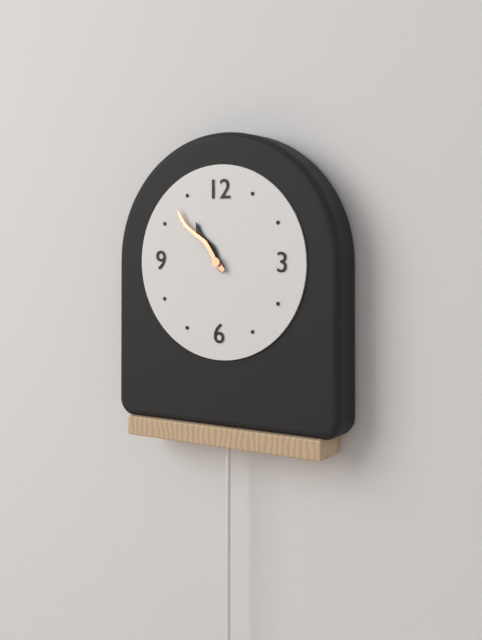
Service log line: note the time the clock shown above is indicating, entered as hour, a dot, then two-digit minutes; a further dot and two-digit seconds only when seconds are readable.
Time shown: 10.53
